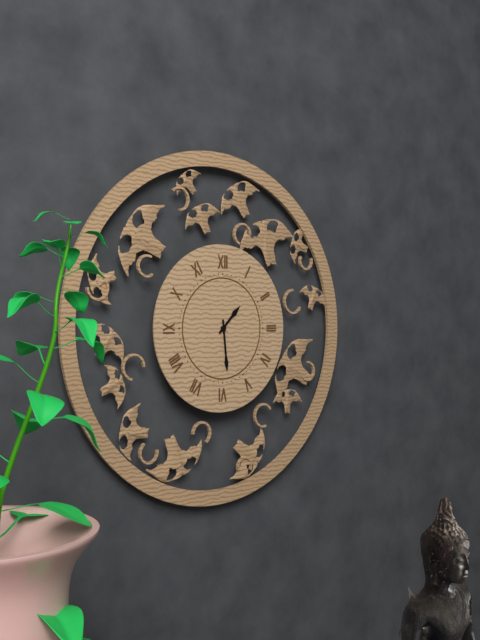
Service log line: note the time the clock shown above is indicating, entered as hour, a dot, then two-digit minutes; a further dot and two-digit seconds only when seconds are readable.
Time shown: 1.29
